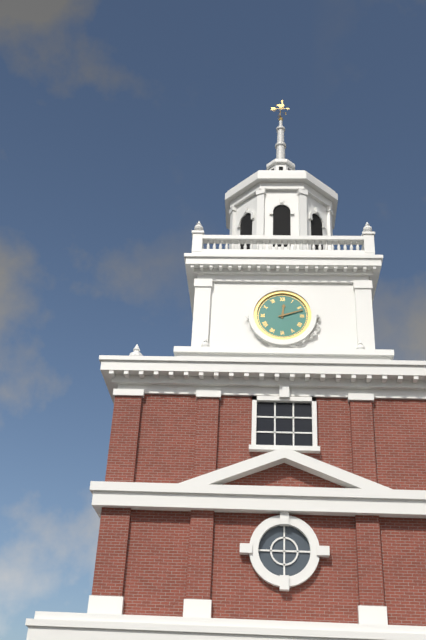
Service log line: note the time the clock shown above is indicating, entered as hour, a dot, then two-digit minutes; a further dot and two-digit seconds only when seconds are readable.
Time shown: 12.12
